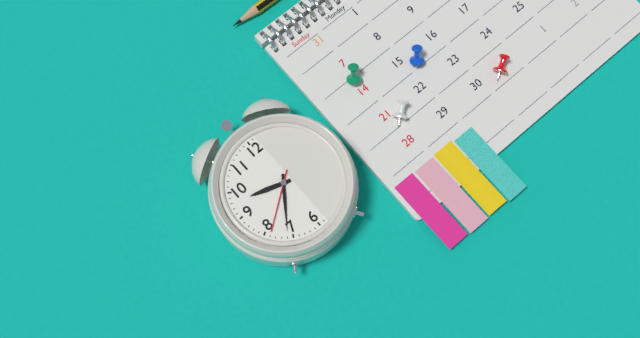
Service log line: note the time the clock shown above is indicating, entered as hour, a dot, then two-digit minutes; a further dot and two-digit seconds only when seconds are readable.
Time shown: 9.36.39
